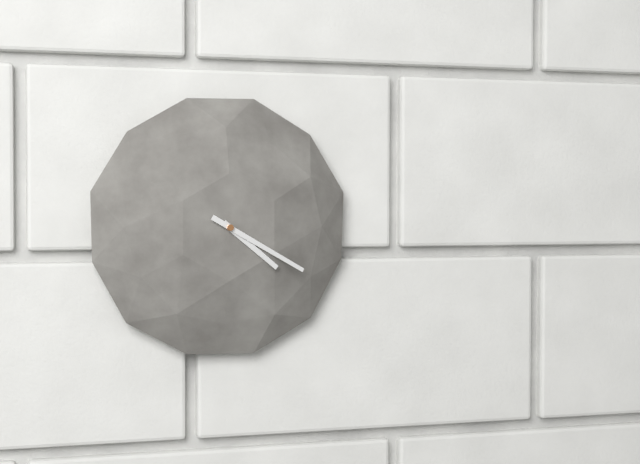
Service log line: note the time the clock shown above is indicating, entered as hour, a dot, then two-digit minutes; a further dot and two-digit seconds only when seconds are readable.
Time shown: 4.20
